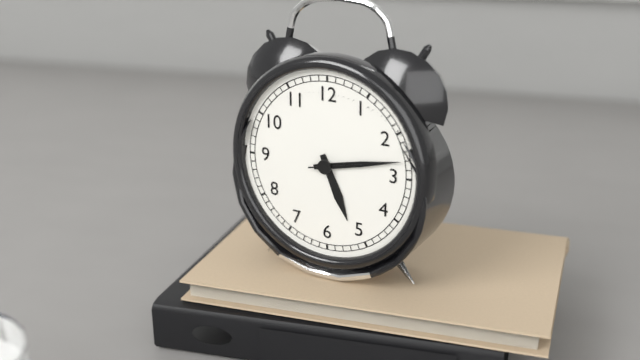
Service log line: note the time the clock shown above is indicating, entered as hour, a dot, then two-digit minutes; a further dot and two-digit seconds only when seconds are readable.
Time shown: 5.13.13
